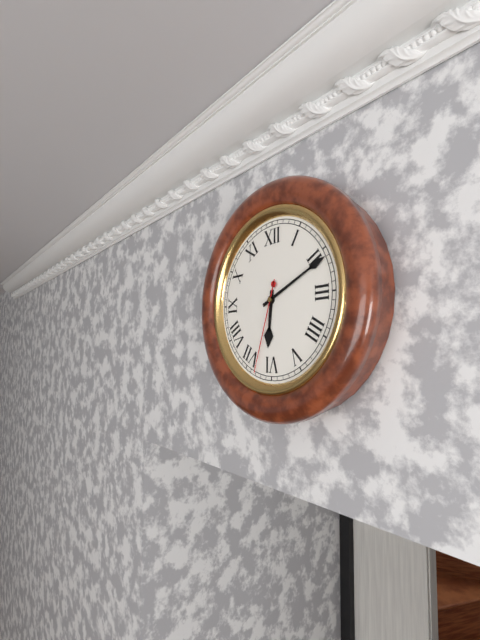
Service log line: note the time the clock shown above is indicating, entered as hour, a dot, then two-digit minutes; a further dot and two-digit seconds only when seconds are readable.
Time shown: 6.11.33
